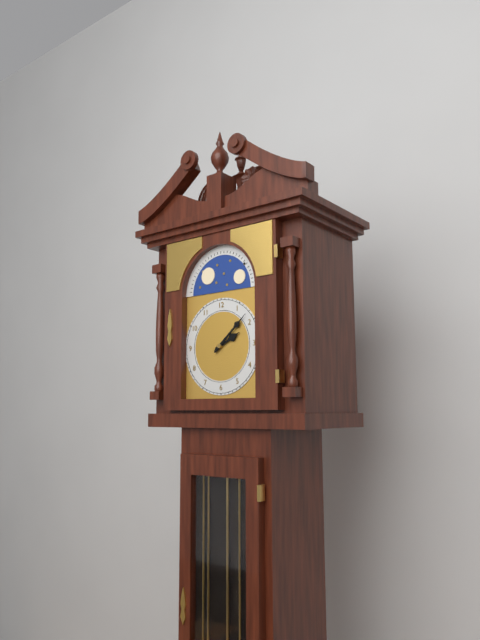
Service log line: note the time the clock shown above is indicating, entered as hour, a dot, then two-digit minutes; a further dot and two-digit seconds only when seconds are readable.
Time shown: 2.08
